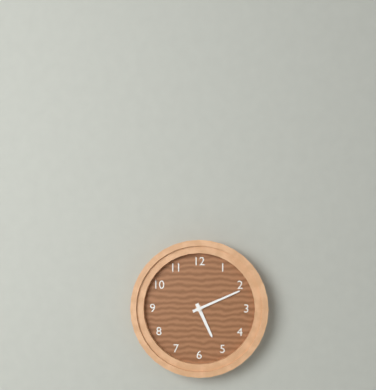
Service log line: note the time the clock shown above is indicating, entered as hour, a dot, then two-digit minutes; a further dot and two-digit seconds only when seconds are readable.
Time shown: 5.11
